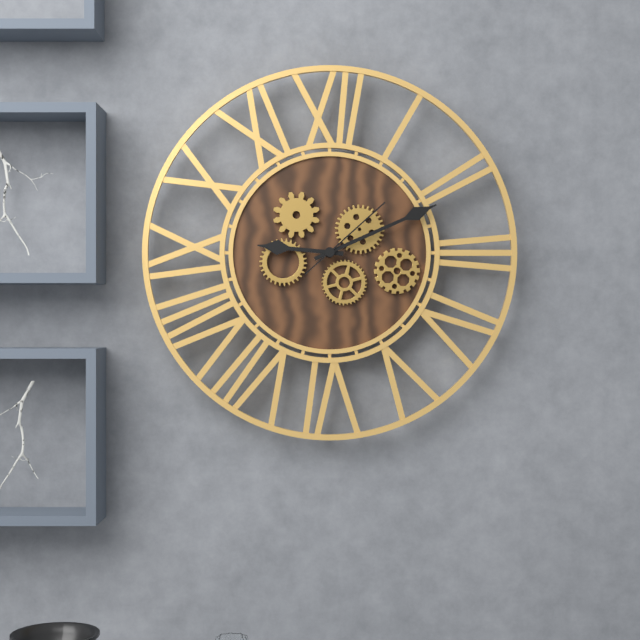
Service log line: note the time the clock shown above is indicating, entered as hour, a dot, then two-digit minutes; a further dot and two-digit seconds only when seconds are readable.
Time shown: 9.11.08
